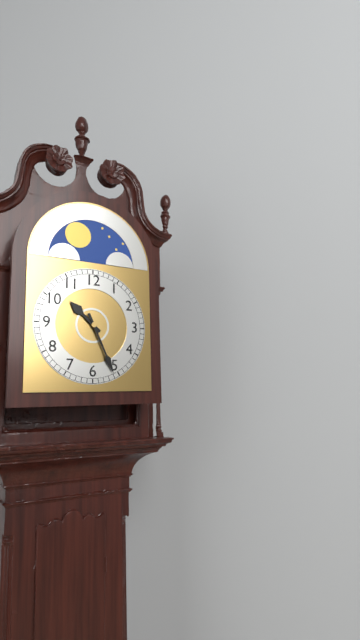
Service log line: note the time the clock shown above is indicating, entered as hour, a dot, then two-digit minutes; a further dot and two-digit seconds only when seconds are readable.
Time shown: 10.26
